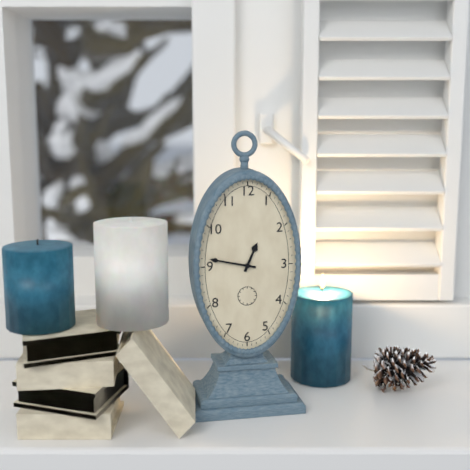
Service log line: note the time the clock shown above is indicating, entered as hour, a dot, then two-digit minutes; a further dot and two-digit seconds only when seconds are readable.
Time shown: 12.47
